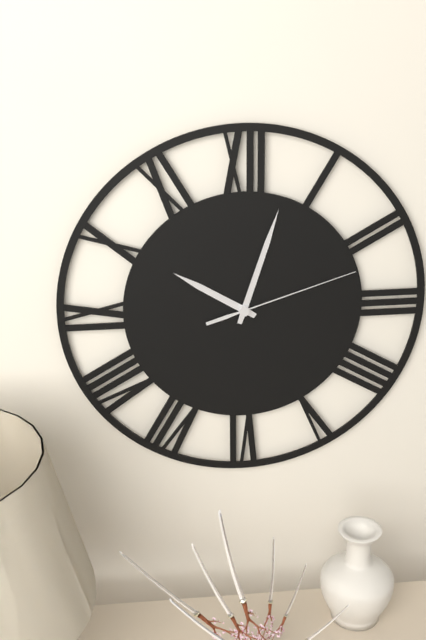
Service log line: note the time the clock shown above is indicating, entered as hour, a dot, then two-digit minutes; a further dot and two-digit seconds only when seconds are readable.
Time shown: 10.03.12
